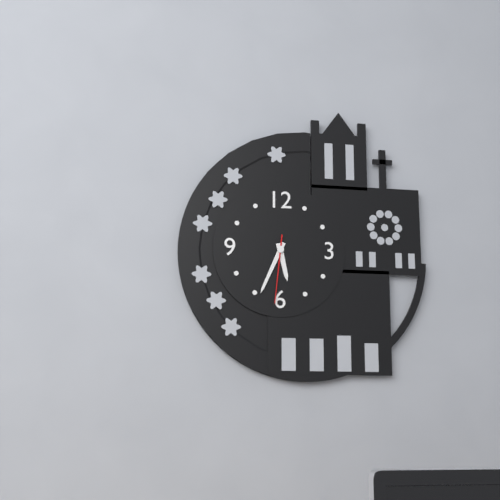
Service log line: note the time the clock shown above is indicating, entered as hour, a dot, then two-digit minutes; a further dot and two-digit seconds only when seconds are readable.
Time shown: 5.34.31
